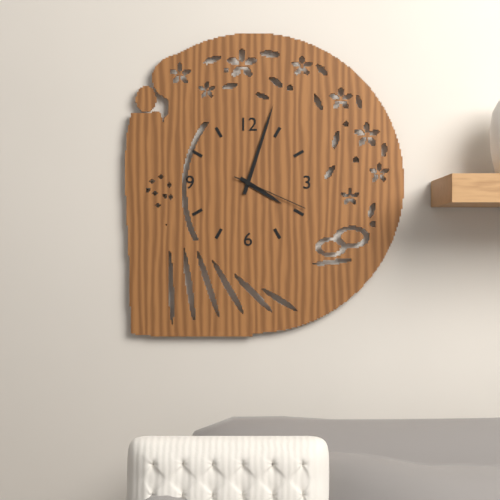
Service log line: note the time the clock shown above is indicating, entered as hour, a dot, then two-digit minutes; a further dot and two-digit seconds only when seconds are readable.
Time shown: 4.03.19
